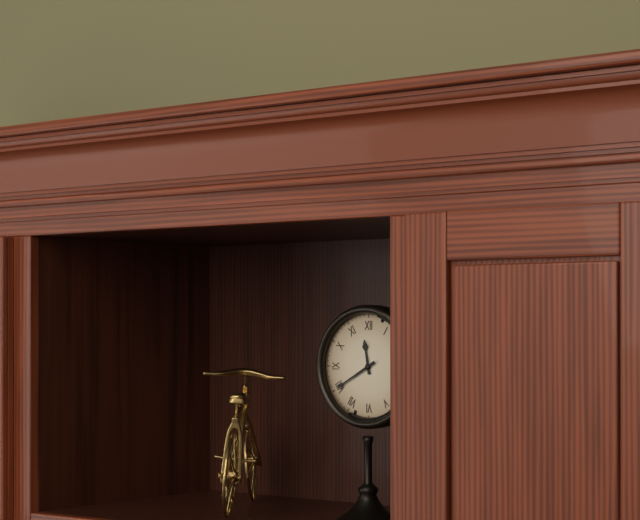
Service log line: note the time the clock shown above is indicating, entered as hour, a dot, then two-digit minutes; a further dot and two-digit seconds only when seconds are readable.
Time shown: 11.40
